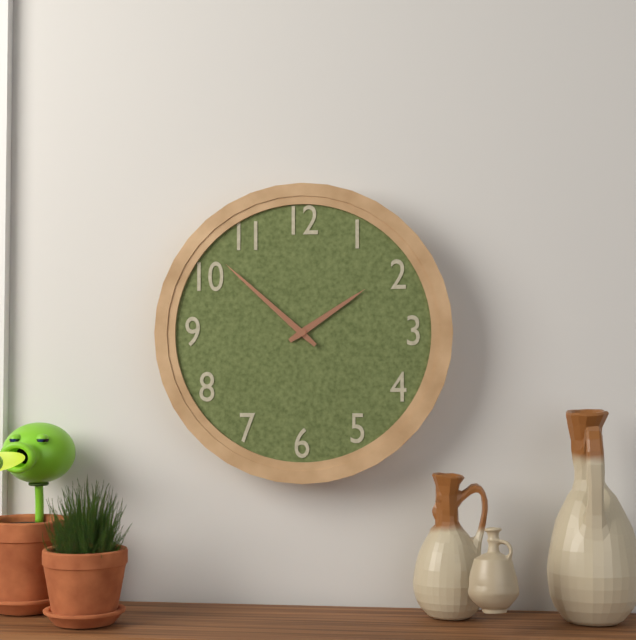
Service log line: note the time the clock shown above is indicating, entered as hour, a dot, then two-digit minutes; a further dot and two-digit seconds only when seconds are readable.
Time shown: 1.52
